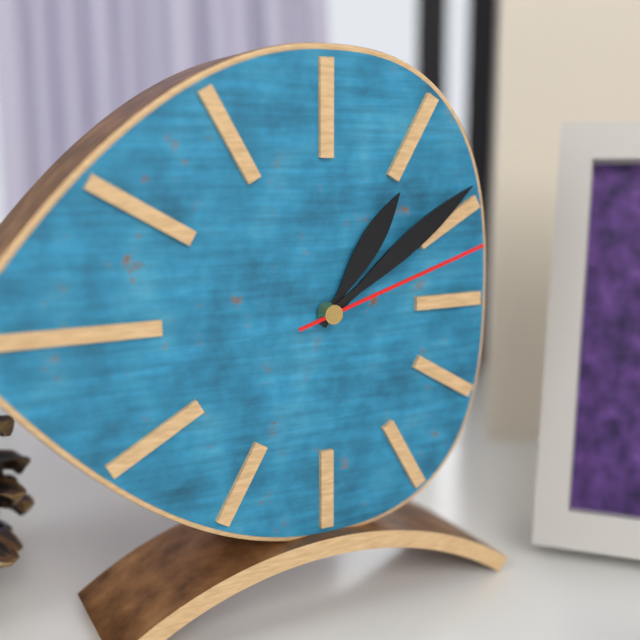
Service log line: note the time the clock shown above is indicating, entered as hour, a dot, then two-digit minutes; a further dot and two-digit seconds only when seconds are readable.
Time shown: 1.09.12
